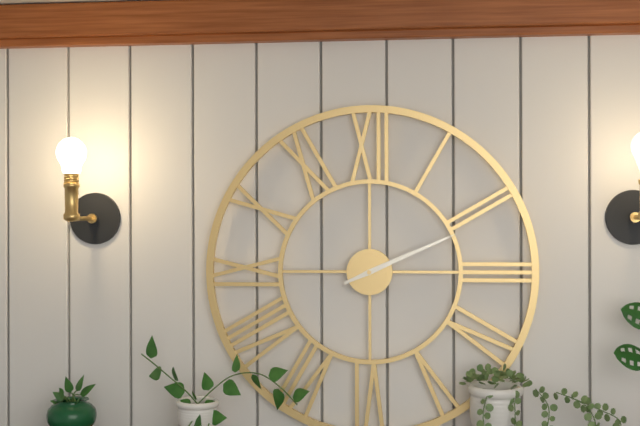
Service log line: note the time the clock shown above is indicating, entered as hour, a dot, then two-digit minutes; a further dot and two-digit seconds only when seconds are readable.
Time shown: 2.11
